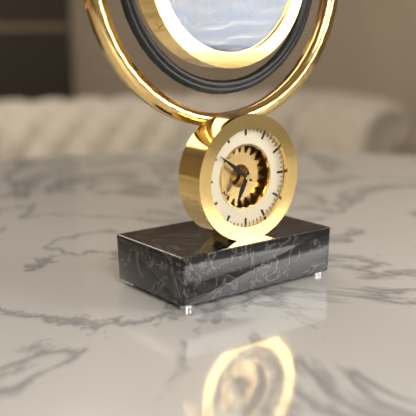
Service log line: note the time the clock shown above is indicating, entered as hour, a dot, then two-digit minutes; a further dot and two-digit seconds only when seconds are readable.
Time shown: 6.51
